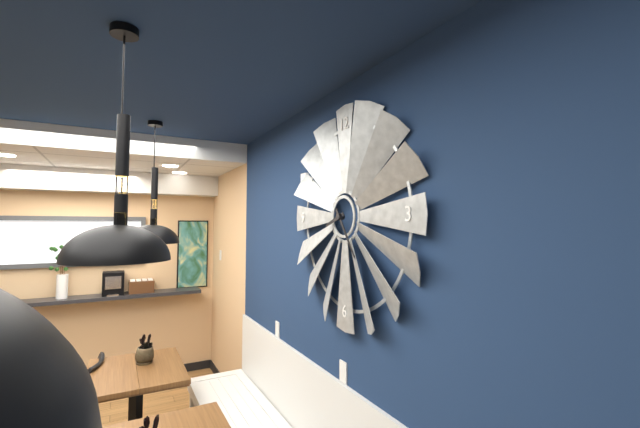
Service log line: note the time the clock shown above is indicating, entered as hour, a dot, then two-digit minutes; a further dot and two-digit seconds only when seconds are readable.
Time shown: 8.24
